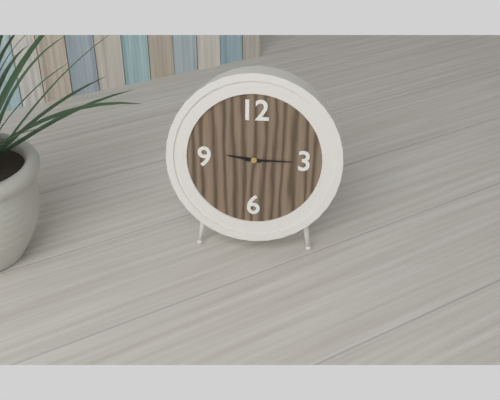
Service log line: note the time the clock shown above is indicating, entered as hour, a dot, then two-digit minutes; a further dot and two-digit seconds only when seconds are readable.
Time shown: 9.15
